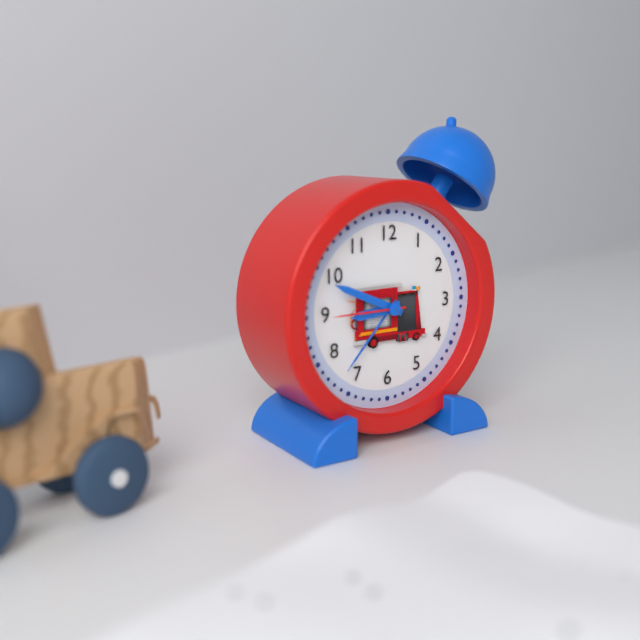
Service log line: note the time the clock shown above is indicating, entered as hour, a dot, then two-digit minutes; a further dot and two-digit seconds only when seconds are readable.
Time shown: 8.49.45
